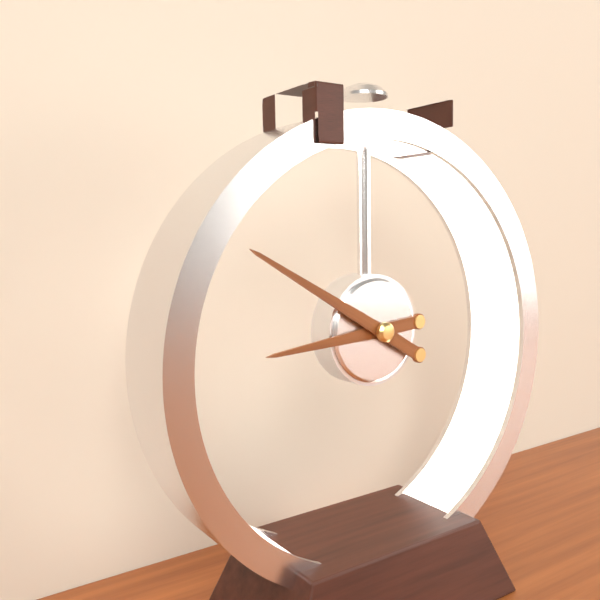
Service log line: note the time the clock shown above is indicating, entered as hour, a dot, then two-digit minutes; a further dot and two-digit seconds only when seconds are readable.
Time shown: 8.50
